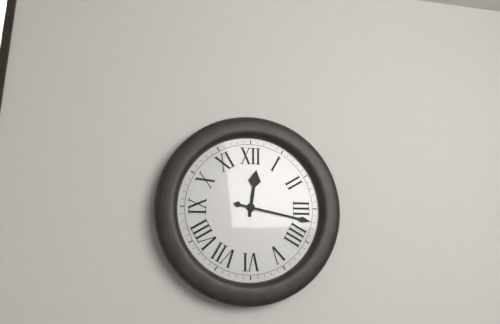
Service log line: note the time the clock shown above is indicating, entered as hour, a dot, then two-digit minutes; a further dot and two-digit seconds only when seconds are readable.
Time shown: 12.17
